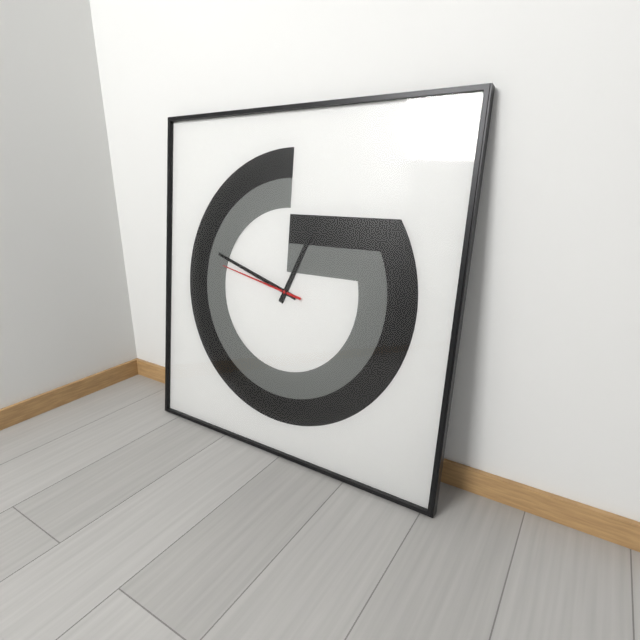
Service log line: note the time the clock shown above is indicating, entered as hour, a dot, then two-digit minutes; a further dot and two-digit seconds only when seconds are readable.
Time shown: 12.48.47
